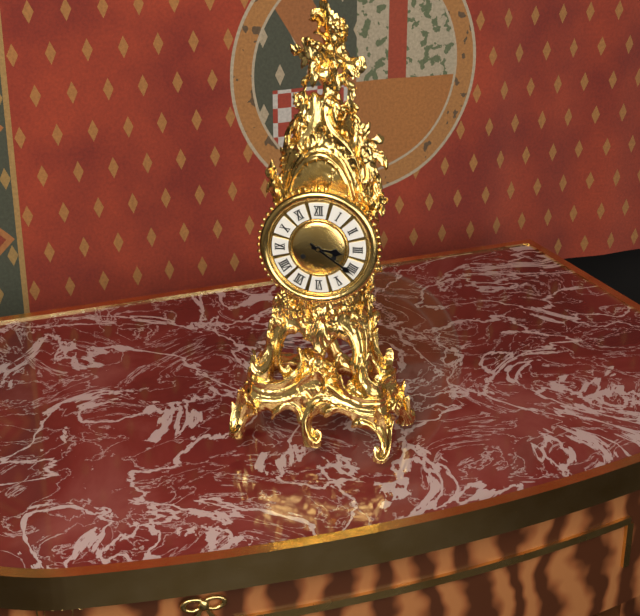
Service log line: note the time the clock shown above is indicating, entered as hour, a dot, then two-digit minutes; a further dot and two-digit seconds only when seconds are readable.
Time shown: 3.21
